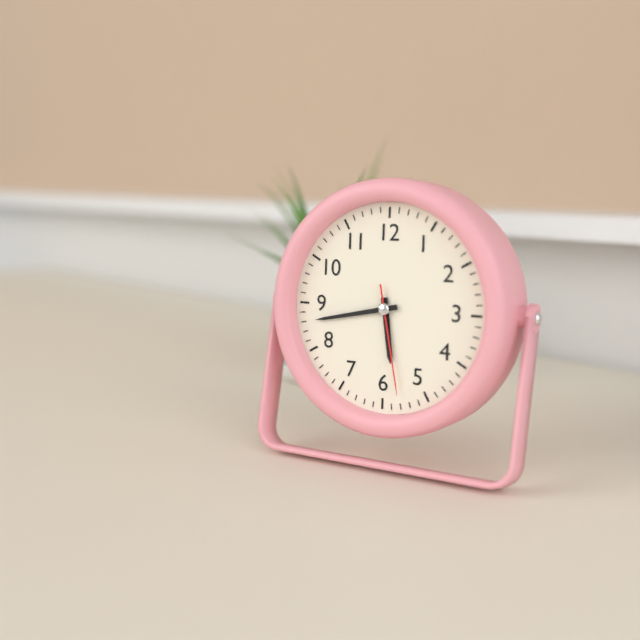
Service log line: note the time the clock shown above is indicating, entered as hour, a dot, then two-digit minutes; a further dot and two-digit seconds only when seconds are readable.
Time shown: 5.43.28
